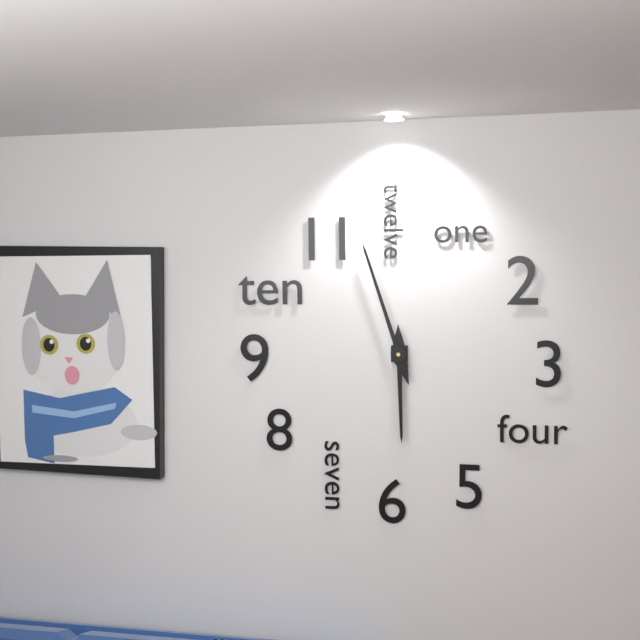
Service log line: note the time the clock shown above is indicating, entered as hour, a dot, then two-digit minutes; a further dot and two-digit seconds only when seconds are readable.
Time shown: 5.57
